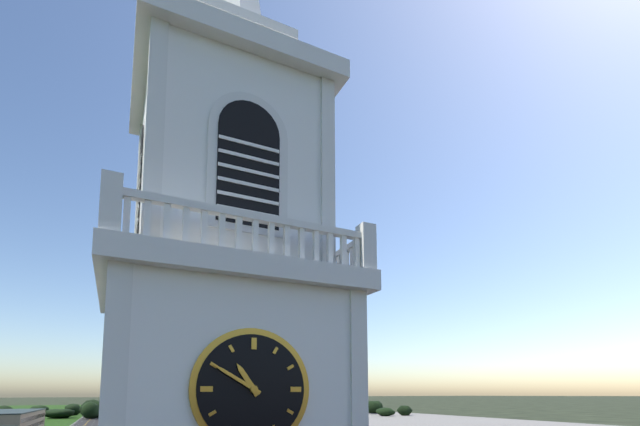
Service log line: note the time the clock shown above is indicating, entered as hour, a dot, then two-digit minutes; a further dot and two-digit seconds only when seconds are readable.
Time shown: 10.50
